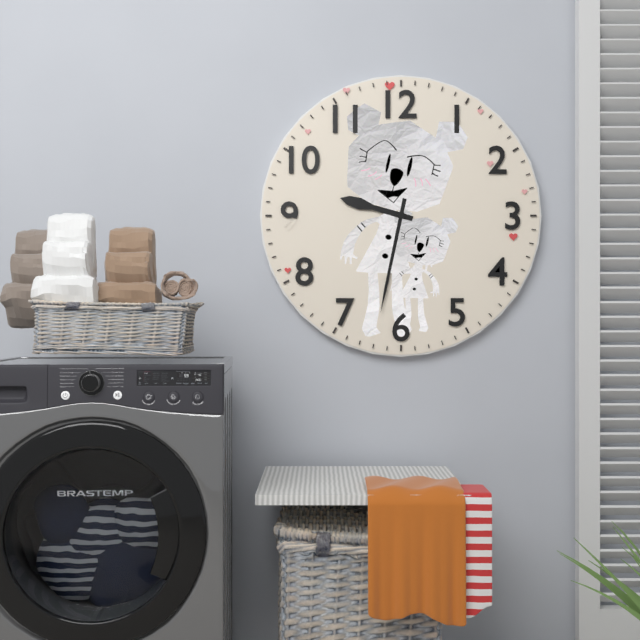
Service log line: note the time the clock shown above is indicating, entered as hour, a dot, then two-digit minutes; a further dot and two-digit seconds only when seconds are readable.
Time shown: 9.32
